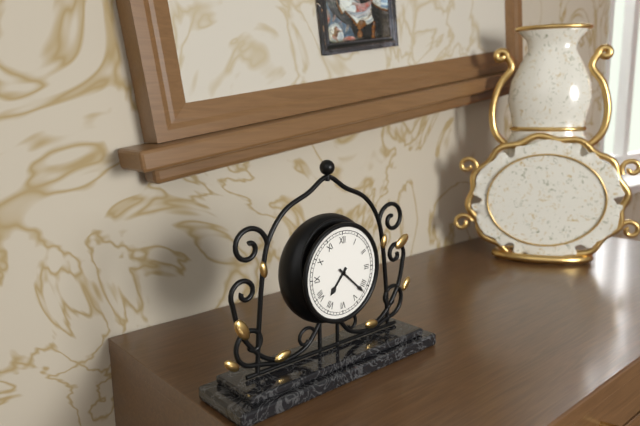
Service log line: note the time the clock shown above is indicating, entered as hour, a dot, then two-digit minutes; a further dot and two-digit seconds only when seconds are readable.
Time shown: 7.22
